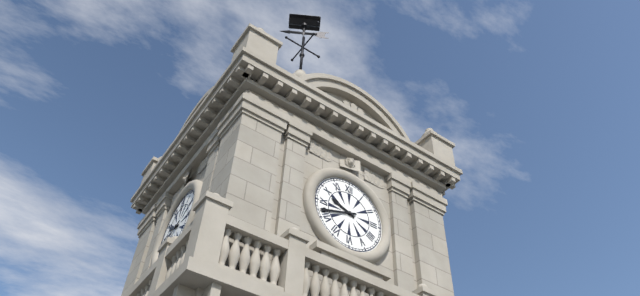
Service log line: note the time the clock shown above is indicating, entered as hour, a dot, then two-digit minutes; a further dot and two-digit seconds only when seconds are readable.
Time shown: 9.42
